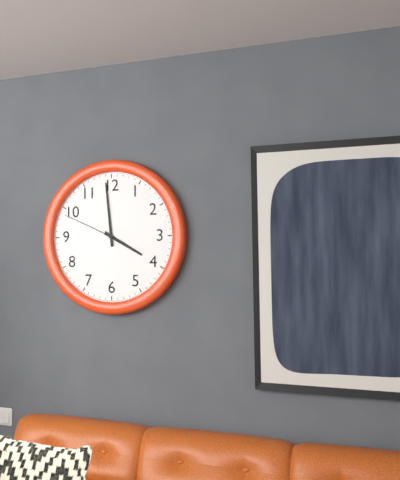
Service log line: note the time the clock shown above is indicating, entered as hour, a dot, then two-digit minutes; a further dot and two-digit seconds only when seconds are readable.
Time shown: 3.59.49
